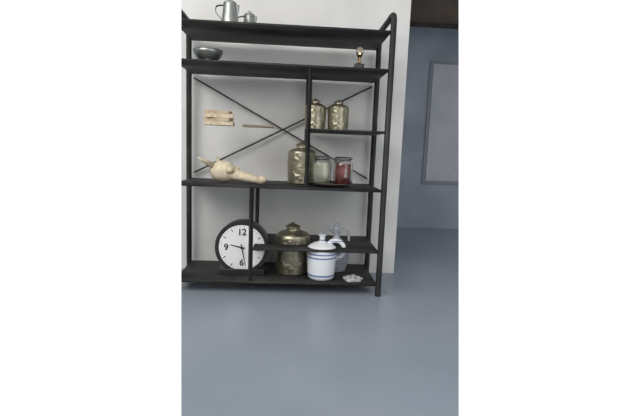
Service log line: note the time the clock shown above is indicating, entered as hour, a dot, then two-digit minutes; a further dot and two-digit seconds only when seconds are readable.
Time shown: 9.28
